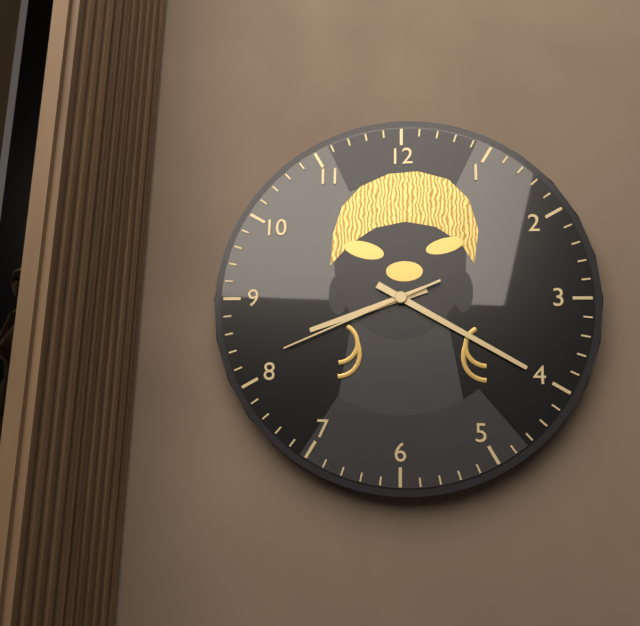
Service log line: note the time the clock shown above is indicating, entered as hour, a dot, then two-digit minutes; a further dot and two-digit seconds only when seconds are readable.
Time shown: 8.20.41
